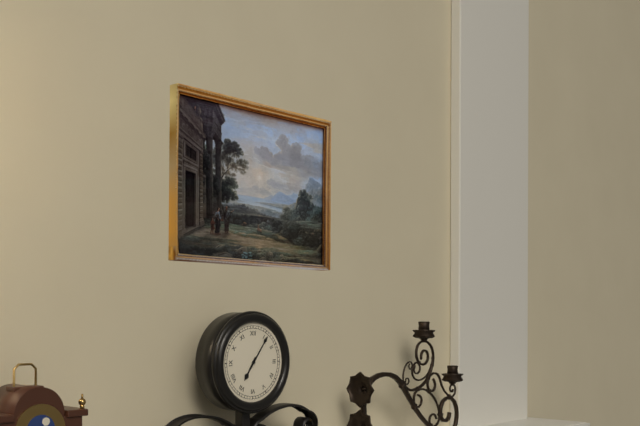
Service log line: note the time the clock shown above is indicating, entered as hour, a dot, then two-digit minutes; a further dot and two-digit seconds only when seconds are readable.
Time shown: 7.06
